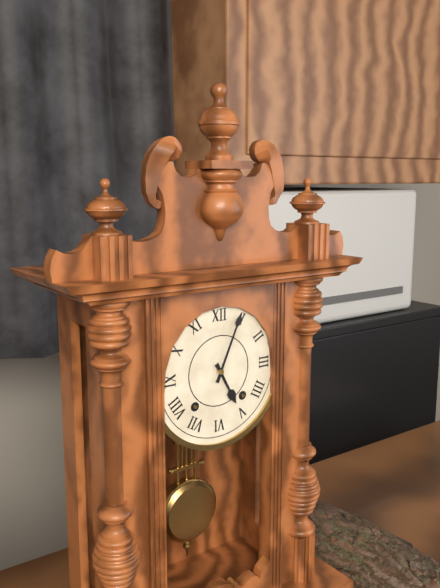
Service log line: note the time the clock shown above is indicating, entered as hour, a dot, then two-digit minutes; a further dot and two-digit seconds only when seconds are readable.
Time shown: 5.04
